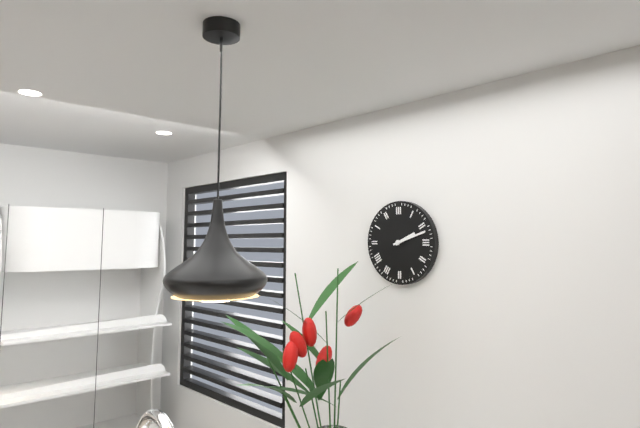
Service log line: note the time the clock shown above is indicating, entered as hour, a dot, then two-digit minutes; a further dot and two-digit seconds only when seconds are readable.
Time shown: 2.12
